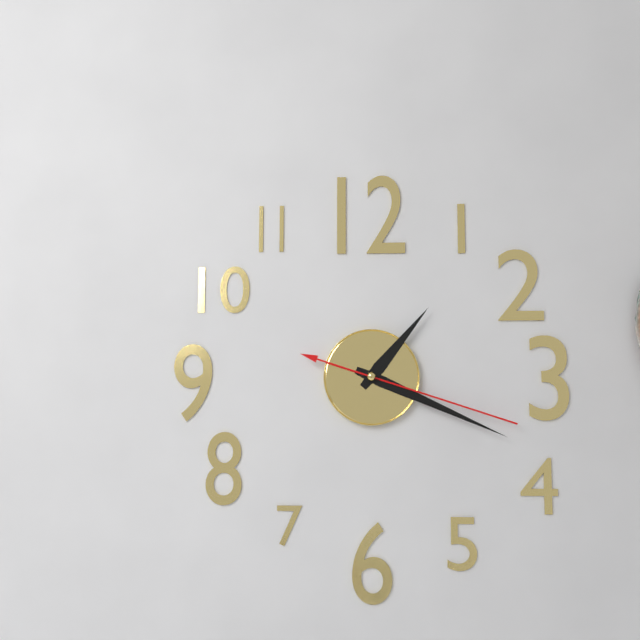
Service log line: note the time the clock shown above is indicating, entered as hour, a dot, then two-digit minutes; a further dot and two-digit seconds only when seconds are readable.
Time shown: 1.19.18
